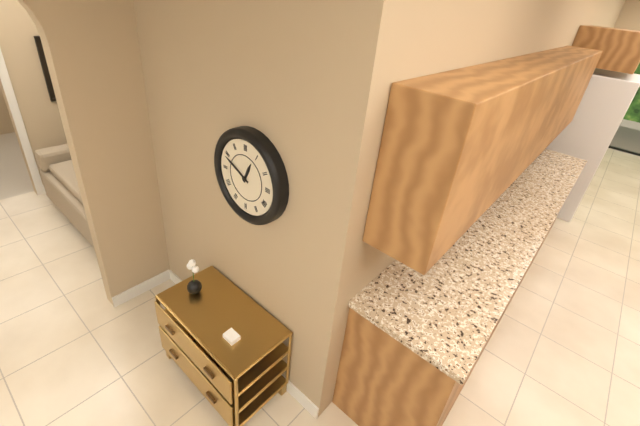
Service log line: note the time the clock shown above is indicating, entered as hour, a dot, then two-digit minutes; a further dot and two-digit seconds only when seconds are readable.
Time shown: 12.49
